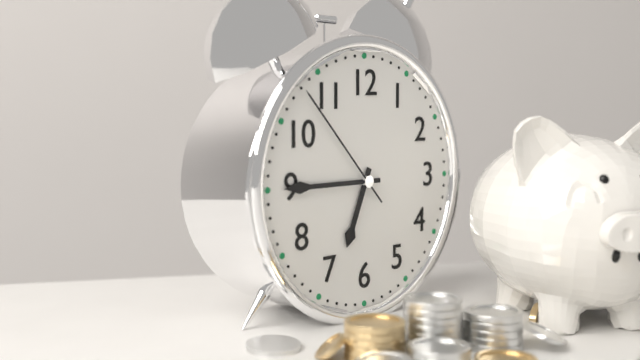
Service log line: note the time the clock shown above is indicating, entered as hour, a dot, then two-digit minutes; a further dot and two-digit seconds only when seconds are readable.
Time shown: 6.45.53
